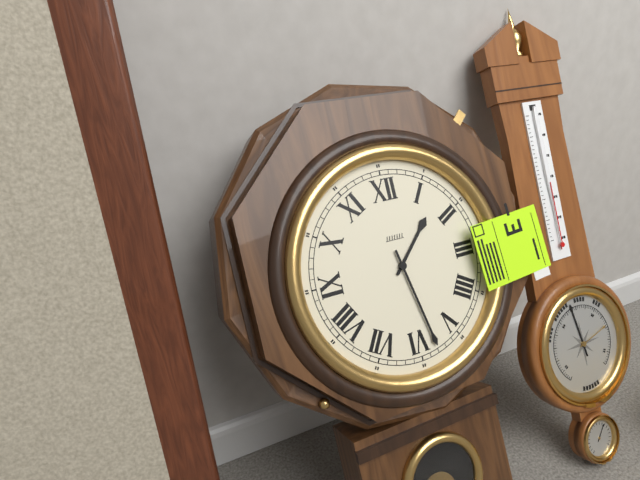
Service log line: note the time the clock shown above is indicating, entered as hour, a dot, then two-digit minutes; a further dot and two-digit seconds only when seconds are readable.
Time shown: 1.28
